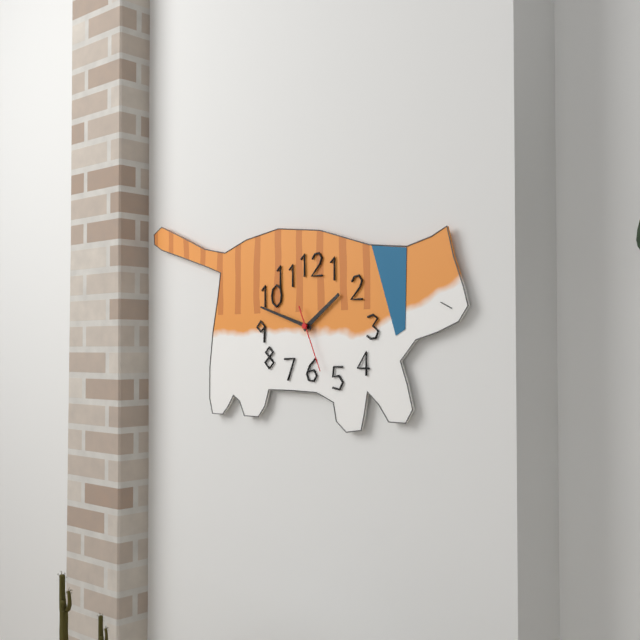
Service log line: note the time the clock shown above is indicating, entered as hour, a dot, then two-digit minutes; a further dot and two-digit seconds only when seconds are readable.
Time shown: 1.48.26
